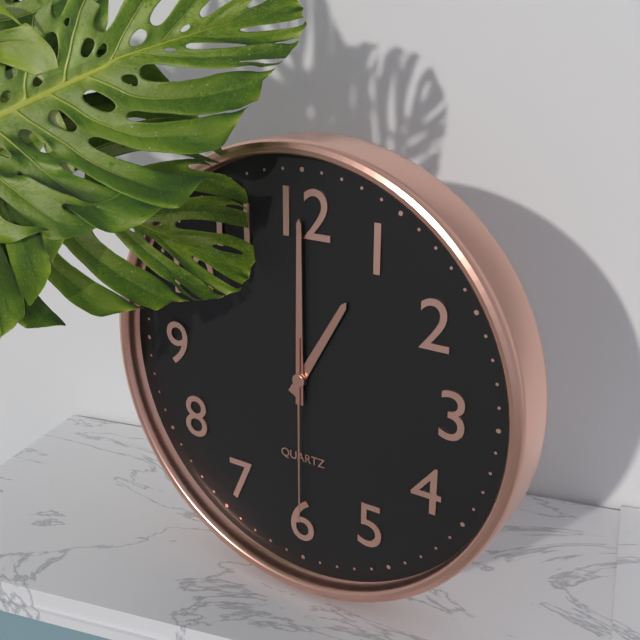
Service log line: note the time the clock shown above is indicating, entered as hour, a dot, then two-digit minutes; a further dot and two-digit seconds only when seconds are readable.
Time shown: 1.00.30
